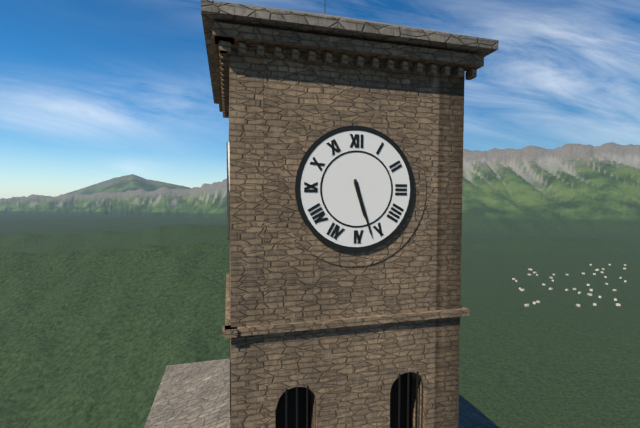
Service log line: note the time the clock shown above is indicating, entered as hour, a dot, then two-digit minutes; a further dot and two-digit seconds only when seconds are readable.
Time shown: 5.27
